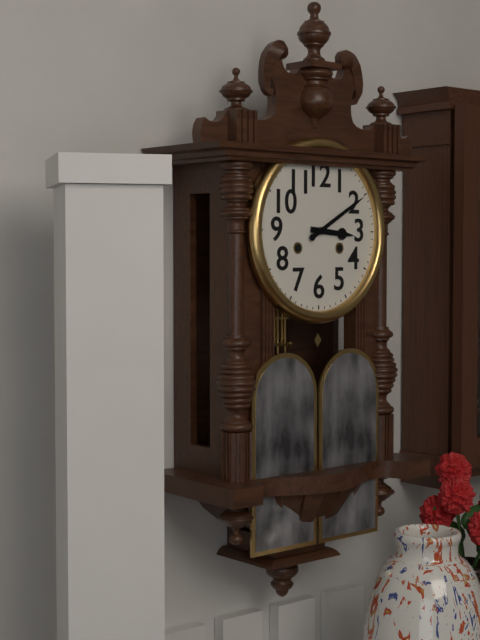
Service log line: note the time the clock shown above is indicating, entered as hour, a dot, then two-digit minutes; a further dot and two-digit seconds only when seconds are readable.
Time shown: 3.10
